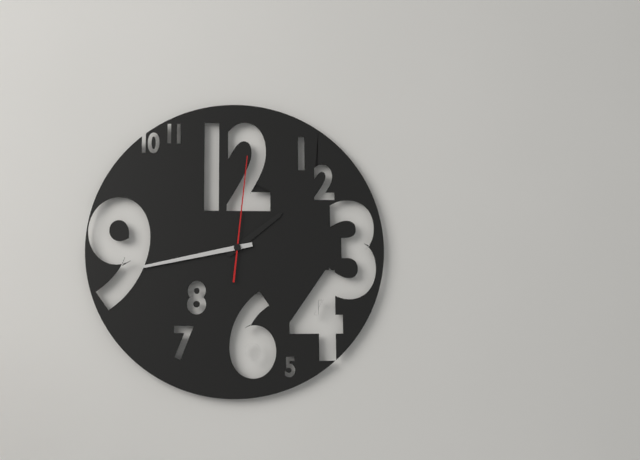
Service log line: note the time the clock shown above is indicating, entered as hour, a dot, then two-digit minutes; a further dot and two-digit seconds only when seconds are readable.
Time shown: 1.43.01
